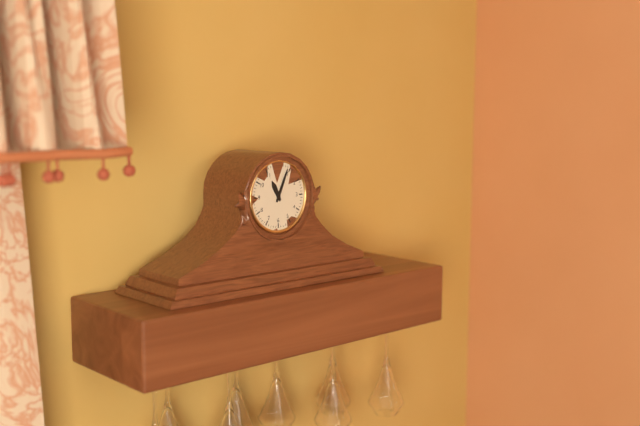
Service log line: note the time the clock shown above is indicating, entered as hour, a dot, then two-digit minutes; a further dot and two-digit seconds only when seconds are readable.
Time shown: 11.04
